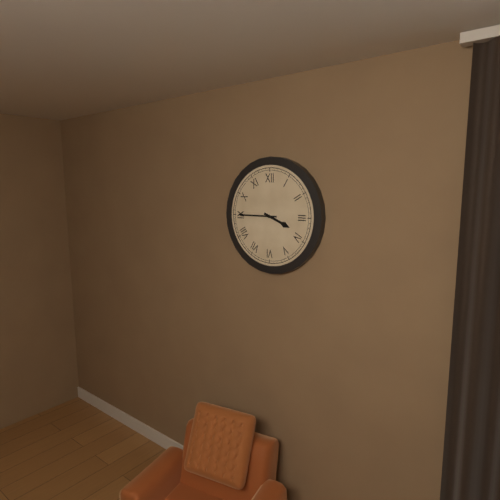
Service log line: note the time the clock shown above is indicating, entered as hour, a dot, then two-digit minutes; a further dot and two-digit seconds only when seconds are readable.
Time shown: 3.45
